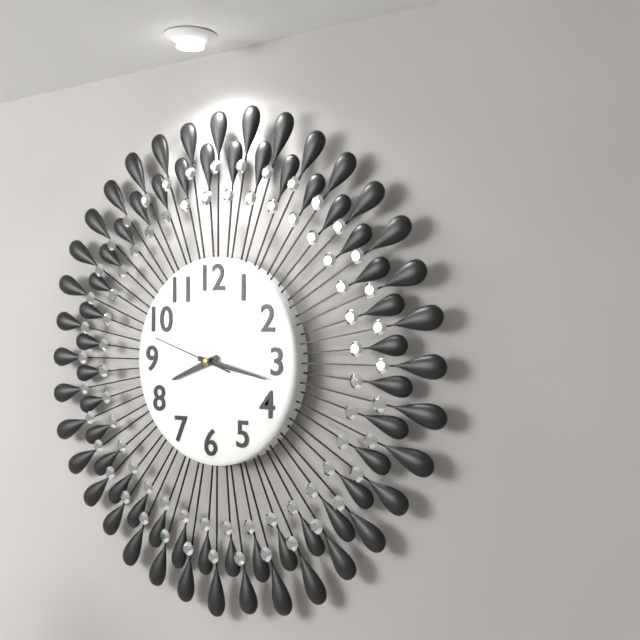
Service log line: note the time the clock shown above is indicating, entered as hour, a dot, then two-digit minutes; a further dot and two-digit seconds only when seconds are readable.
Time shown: 8.17.48
